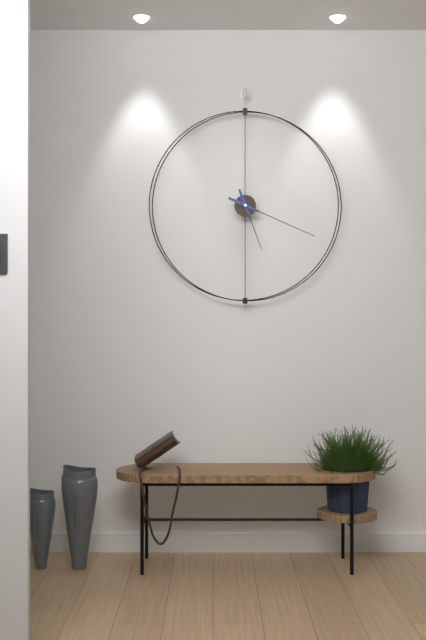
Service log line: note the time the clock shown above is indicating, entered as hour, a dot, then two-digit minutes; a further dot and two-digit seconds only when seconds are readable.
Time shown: 5.19
